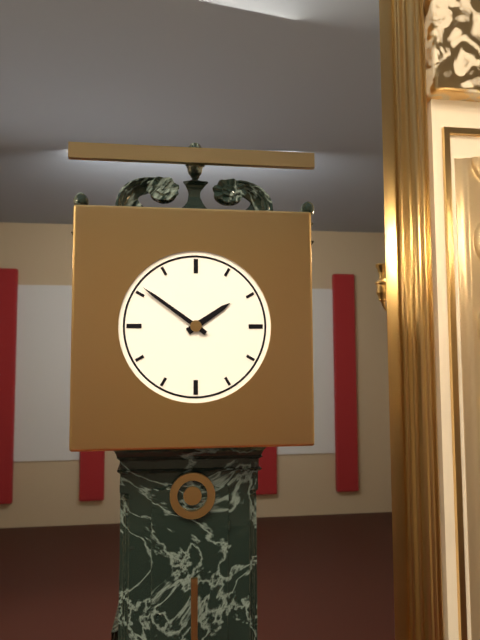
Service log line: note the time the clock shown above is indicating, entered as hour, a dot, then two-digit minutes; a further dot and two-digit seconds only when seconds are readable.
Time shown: 1.51
